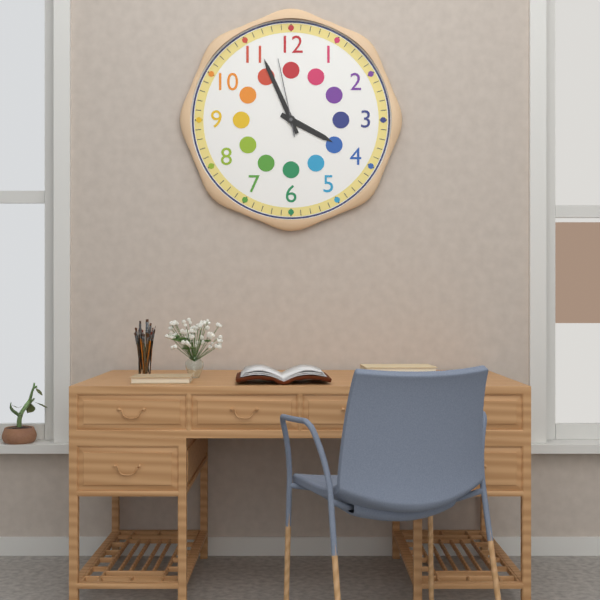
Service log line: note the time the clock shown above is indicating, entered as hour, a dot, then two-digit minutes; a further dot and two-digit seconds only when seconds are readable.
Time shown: 3.56.58
